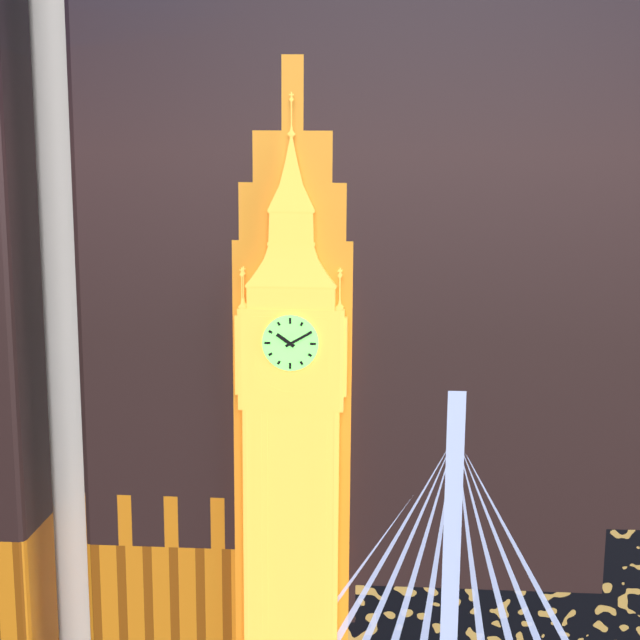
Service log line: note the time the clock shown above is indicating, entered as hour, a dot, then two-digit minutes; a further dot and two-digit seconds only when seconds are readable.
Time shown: 10.10
